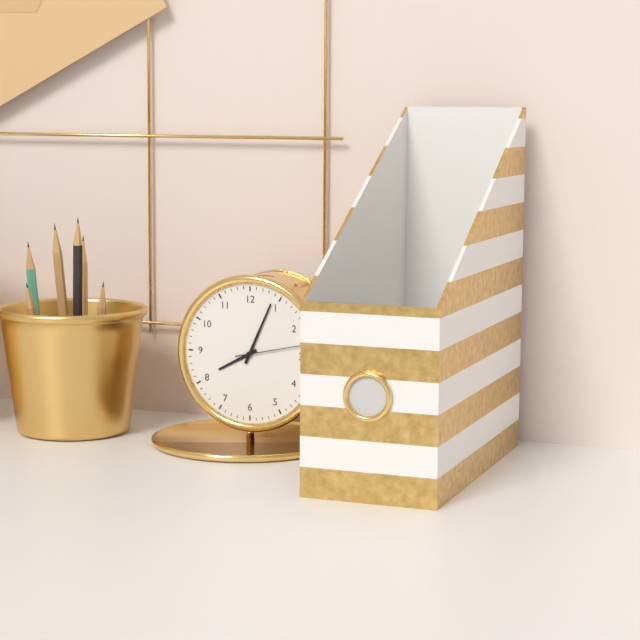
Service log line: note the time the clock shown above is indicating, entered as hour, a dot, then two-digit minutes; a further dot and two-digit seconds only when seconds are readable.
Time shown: 8.04.13
